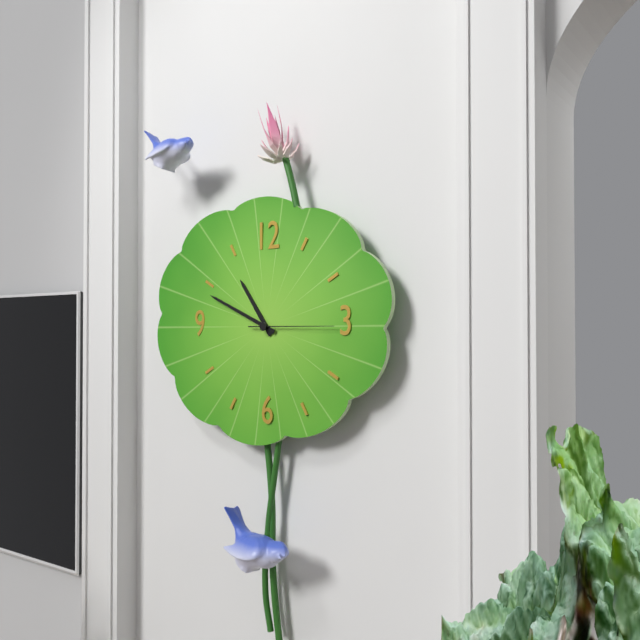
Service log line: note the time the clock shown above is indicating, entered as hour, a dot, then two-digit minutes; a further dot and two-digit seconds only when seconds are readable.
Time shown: 10.49.15
